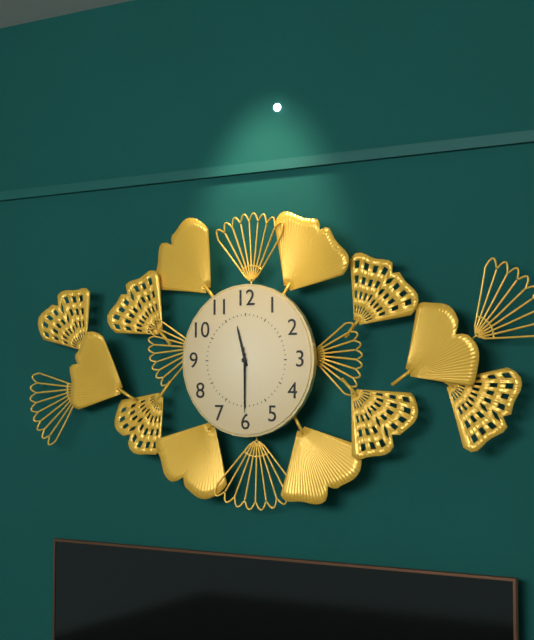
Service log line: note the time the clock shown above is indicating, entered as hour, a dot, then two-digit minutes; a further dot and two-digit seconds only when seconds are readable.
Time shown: 11.30.30
